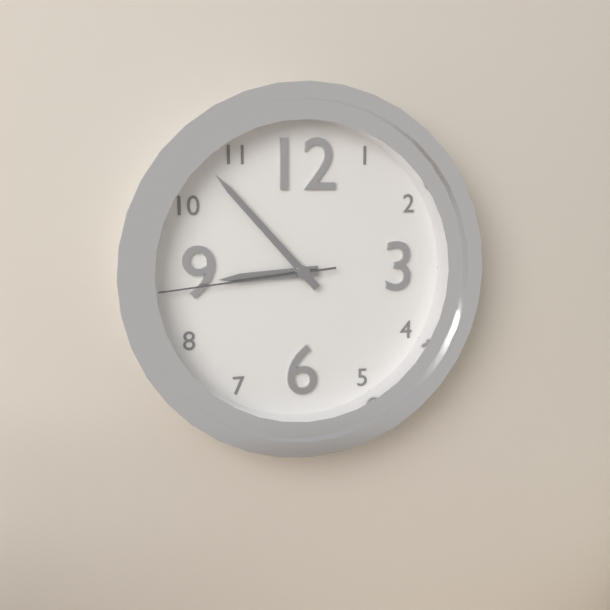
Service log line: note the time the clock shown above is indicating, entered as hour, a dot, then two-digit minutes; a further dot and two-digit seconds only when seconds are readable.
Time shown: 8.53.44
